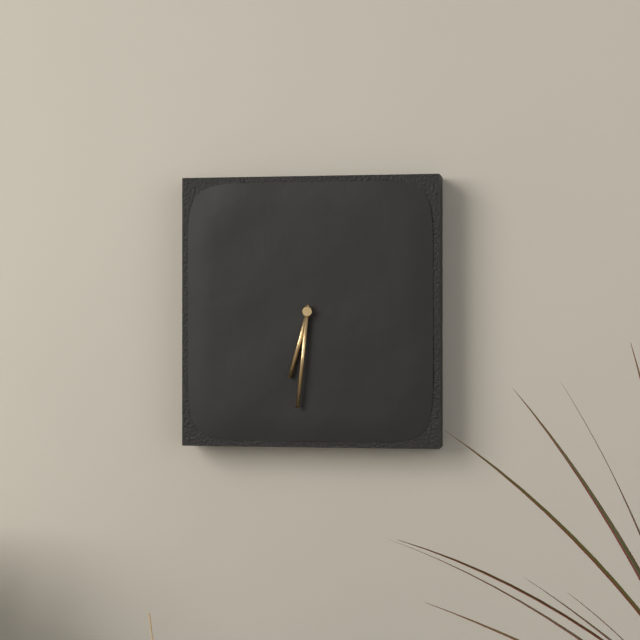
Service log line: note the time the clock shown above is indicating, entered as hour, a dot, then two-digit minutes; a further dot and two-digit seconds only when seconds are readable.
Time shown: 6.31
